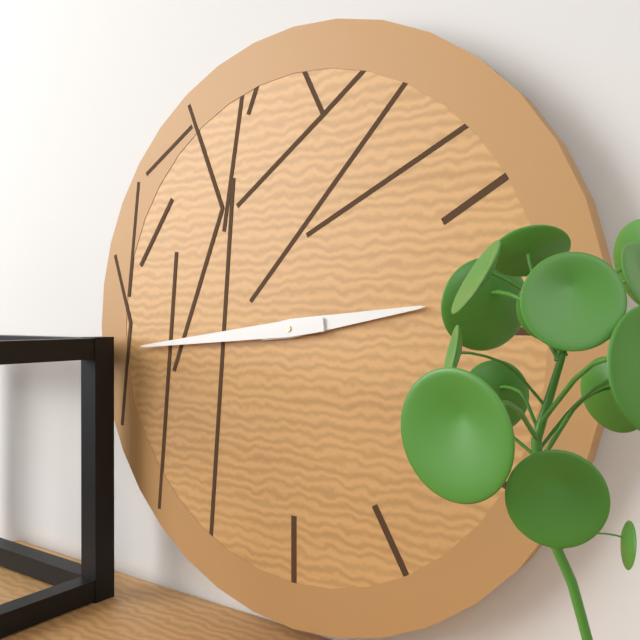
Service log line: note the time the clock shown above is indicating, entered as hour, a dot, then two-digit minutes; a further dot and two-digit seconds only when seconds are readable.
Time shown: 2.44
